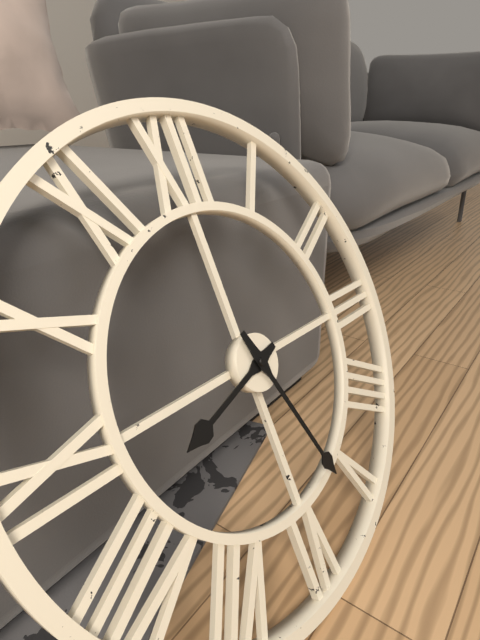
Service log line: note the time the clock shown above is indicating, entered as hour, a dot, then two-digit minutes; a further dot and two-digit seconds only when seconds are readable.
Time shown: 8.27
